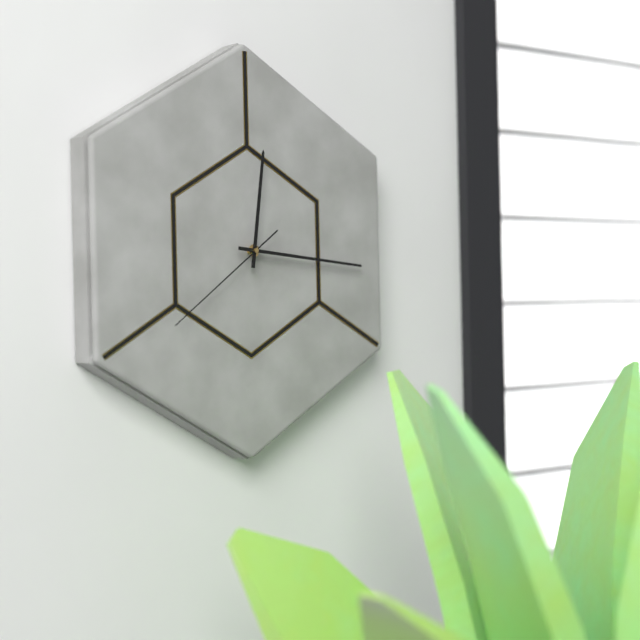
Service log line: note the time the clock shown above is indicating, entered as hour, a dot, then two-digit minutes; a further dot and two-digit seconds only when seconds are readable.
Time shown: 12.16.39
